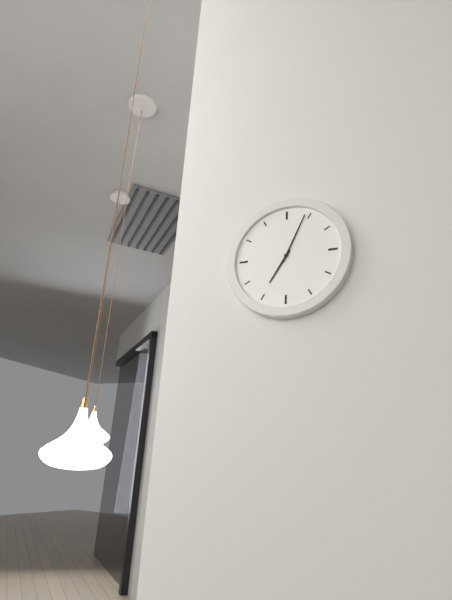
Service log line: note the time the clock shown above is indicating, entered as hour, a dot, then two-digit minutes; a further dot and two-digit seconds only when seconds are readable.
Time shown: 7.04
